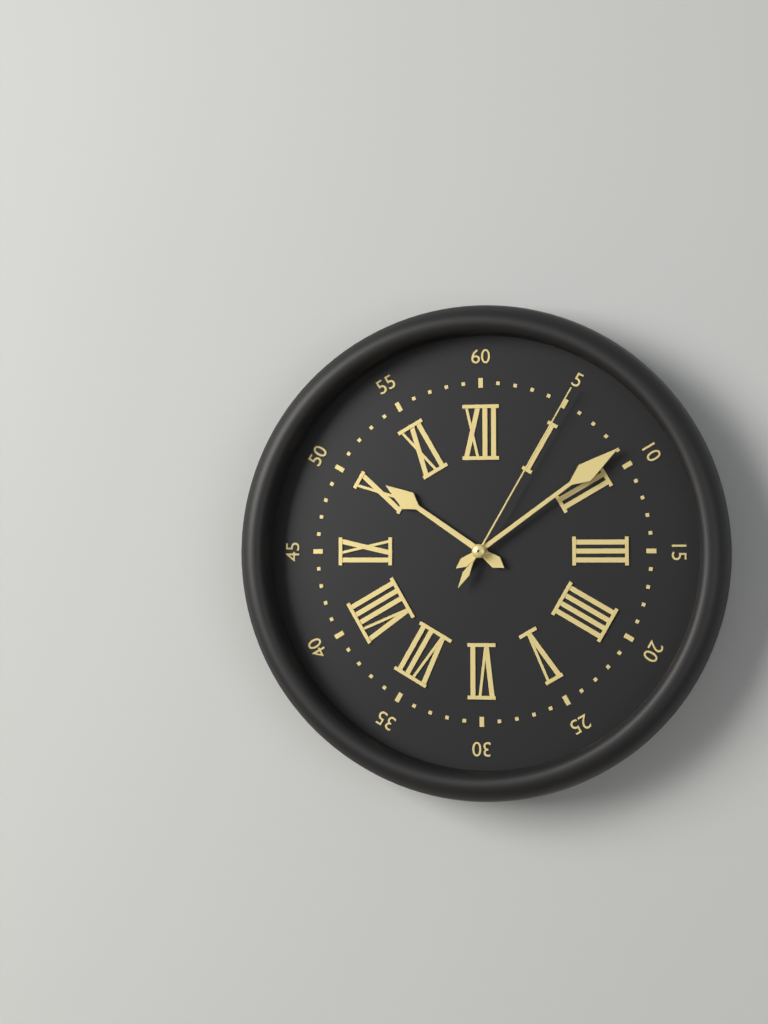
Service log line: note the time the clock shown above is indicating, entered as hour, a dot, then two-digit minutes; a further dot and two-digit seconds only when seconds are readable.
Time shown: 10.09.05
